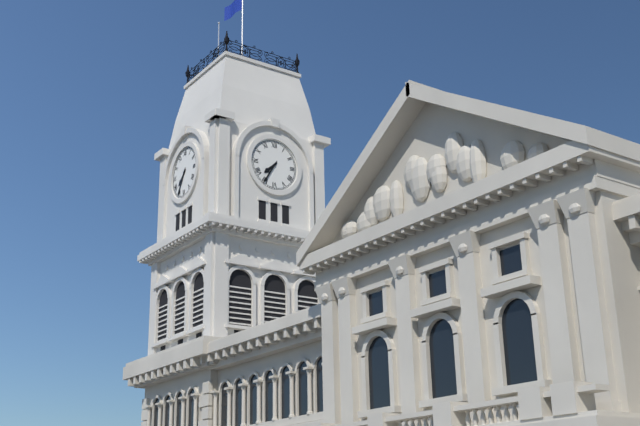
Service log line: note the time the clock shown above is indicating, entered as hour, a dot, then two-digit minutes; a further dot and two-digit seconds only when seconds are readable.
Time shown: 7.35
